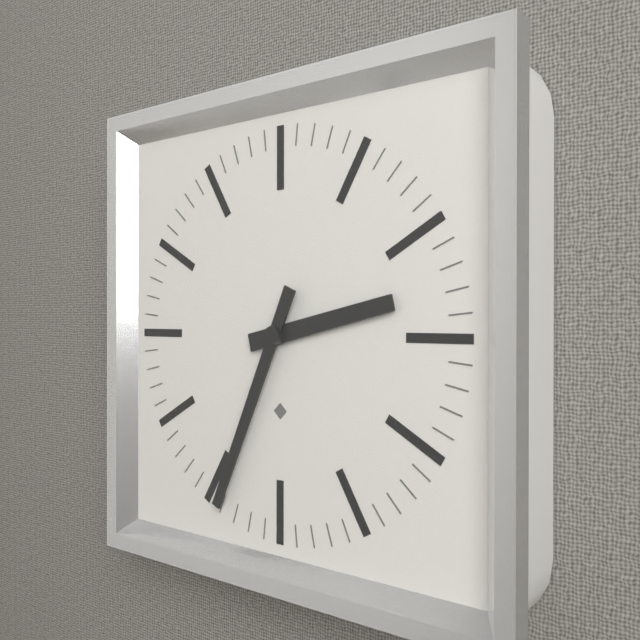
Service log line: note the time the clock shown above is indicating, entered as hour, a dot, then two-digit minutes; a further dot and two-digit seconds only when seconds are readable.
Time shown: 2.34
